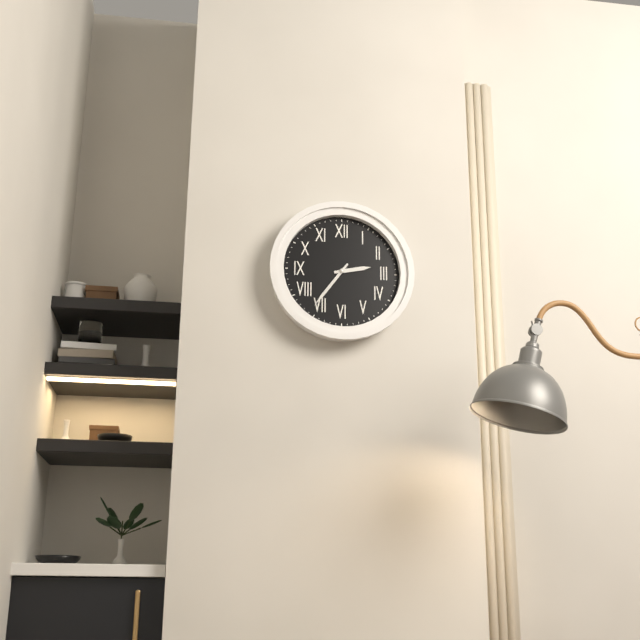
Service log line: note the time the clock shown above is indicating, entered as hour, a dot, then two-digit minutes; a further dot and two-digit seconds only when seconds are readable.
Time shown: 2.36
